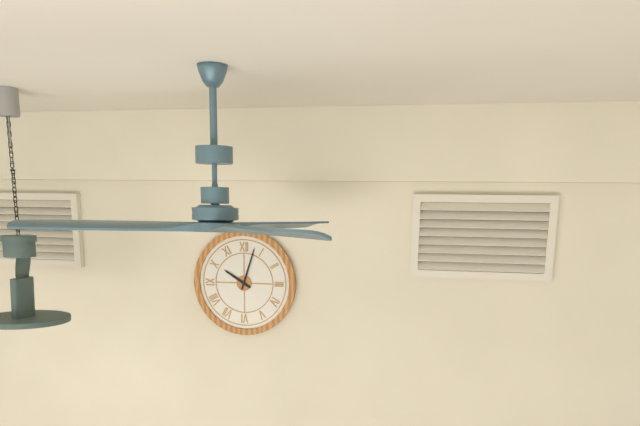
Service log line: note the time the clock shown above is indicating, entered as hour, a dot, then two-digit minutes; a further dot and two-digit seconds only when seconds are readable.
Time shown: 10.03
